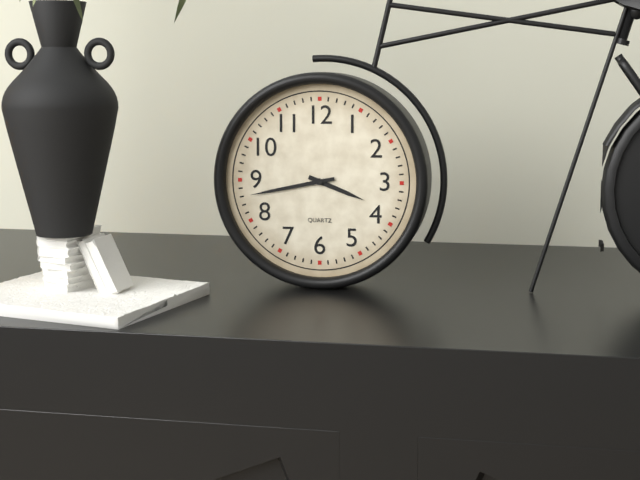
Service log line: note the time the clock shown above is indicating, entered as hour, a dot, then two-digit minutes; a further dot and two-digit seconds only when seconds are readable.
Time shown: 3.43
